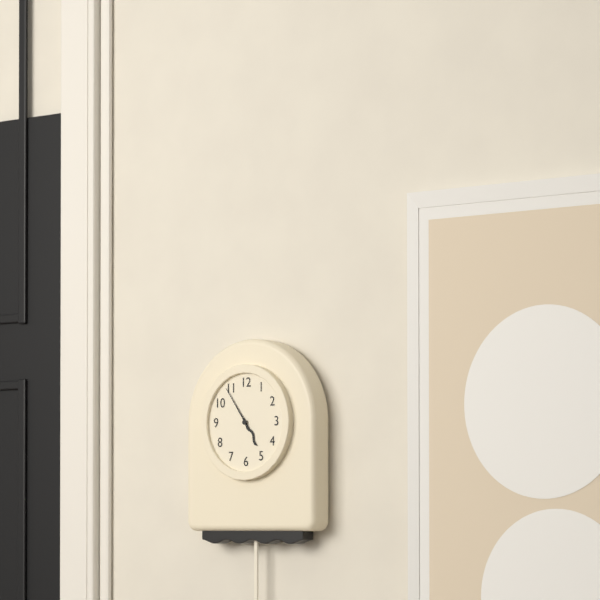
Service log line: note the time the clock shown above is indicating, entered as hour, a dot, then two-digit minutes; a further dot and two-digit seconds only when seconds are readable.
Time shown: 4.54
